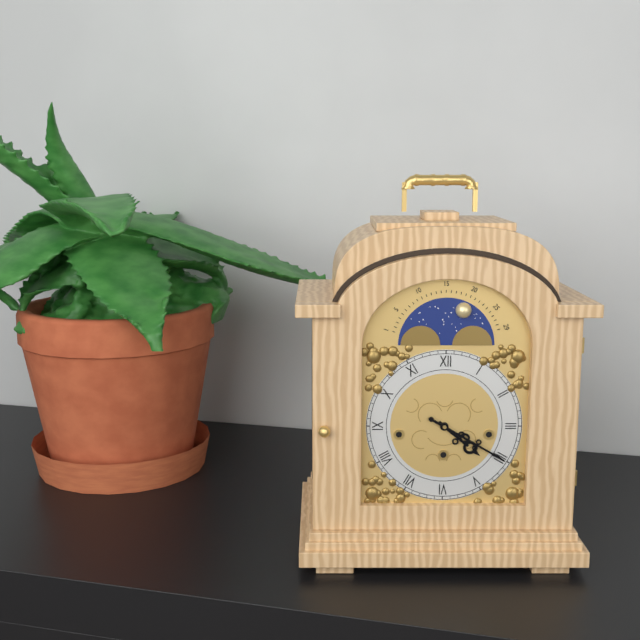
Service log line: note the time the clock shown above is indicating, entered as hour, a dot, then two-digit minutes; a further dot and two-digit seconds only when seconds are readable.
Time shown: 4.20
